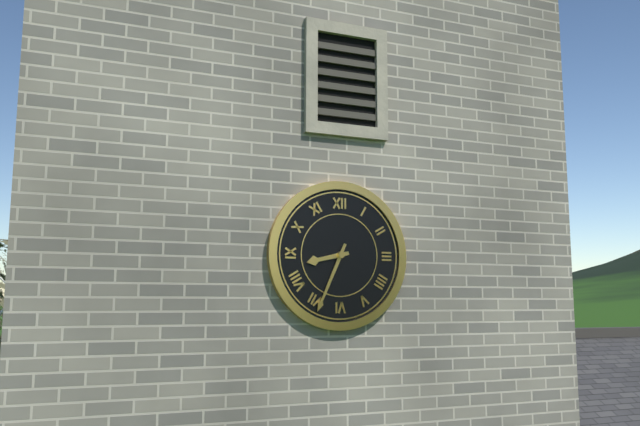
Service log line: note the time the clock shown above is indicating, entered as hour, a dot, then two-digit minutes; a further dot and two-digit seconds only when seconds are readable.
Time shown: 8.34
